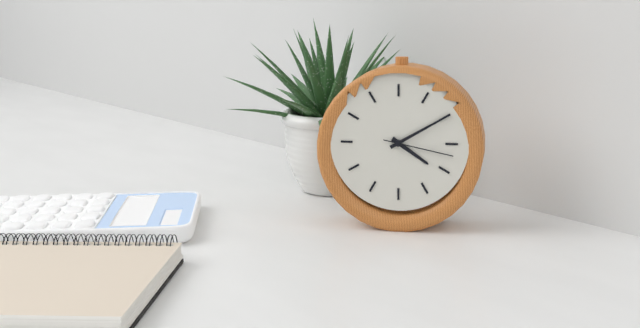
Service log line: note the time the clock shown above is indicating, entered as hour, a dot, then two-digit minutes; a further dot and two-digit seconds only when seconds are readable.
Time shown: 4.10.17
